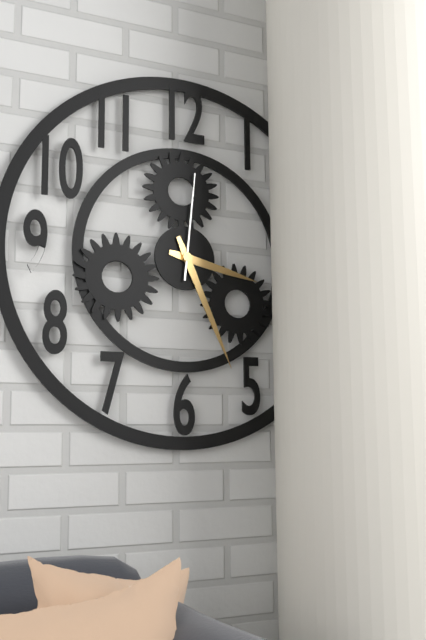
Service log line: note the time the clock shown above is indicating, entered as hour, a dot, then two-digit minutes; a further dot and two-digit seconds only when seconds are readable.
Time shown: 3.26.01
